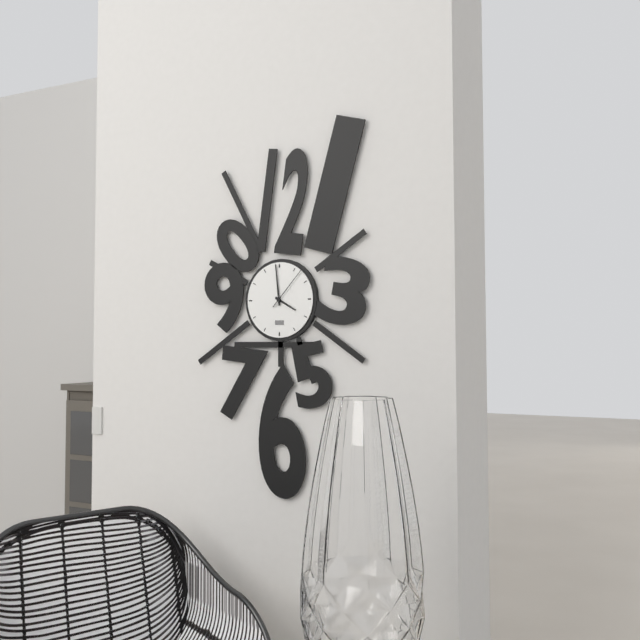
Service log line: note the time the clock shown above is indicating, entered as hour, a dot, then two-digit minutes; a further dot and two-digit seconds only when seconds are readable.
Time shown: 3.59
